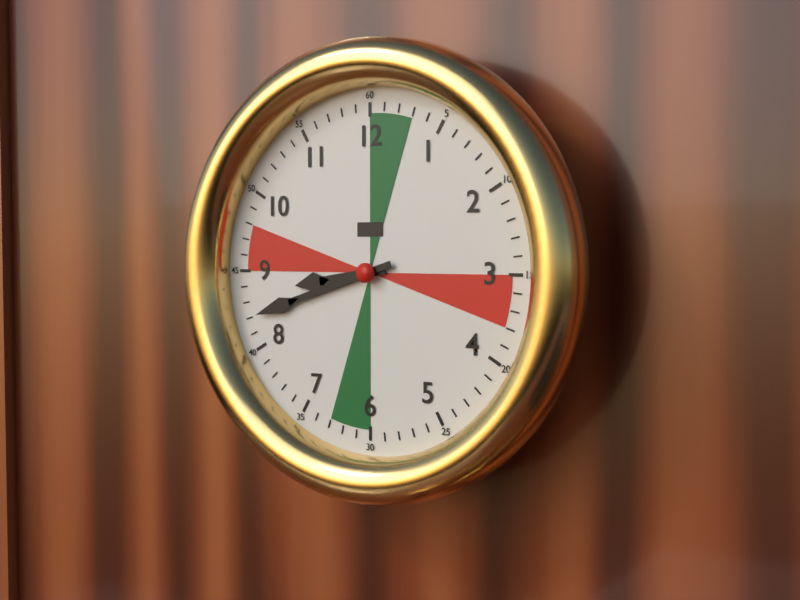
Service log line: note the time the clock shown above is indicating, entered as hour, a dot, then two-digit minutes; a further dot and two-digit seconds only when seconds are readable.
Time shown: 8.42
